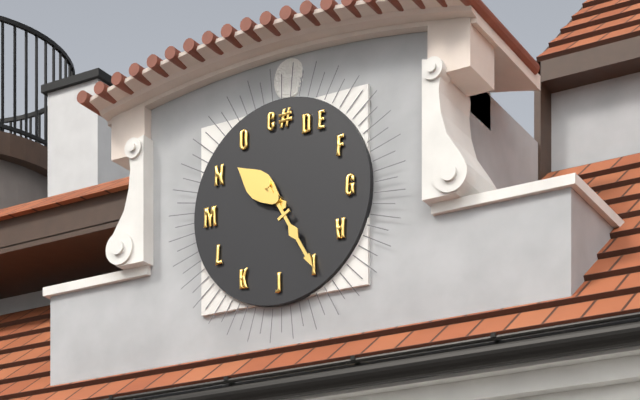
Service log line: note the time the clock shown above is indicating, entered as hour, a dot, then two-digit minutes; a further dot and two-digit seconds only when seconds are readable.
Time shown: 10.25
